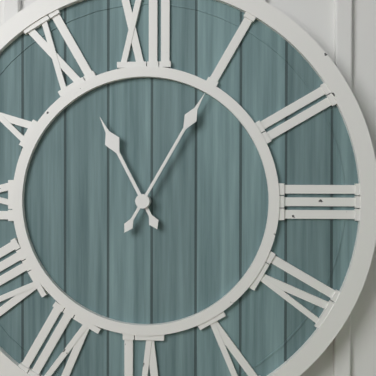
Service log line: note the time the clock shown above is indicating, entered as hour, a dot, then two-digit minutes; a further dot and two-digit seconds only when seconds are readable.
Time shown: 11.05
